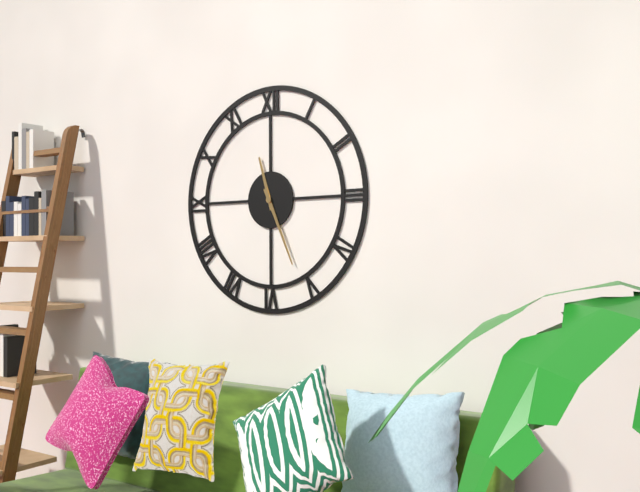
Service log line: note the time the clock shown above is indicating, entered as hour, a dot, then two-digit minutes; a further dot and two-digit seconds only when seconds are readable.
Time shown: 11.26
